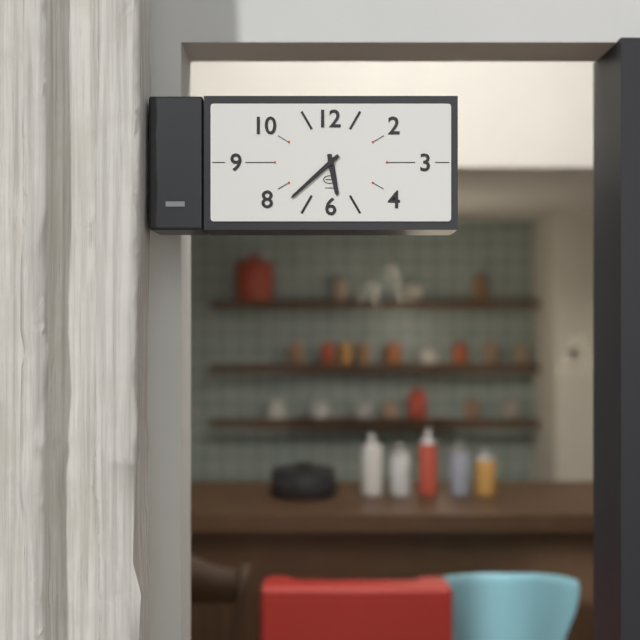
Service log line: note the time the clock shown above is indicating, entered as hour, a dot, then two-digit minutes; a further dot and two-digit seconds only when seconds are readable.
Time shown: 5.38
